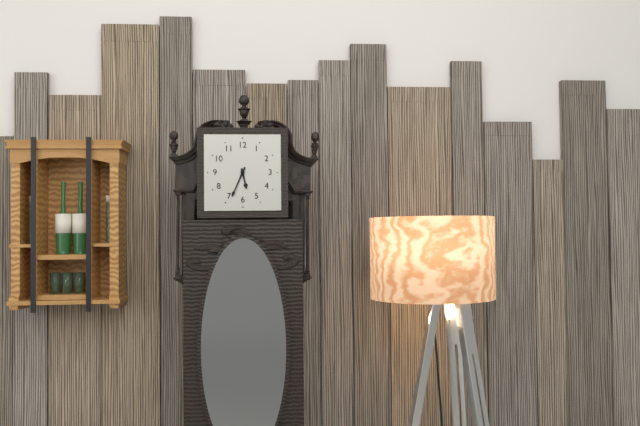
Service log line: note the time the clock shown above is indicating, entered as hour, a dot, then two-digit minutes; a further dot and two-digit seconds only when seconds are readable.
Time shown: 5.34
